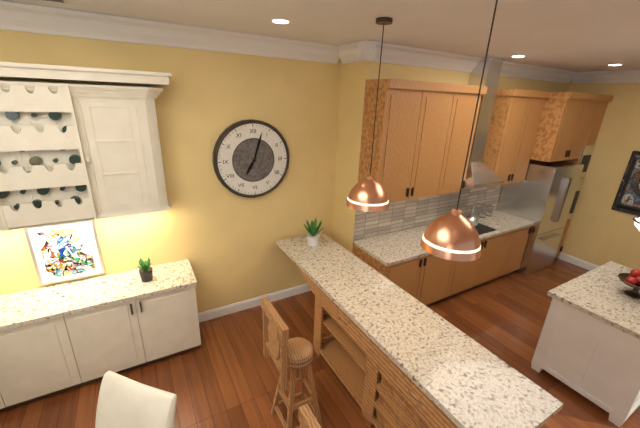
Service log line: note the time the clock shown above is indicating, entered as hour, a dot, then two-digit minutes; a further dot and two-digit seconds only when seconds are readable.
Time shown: 7.03
